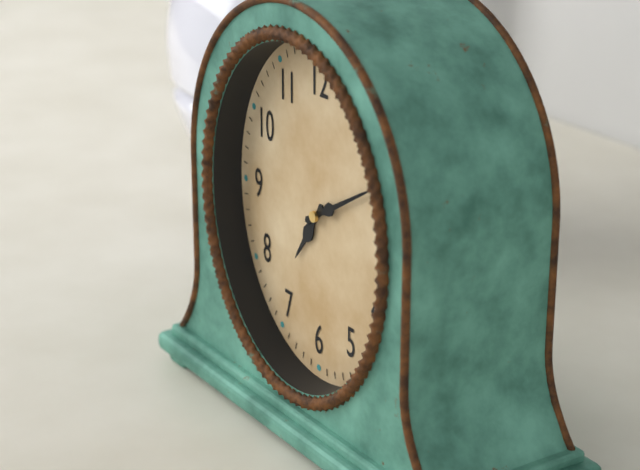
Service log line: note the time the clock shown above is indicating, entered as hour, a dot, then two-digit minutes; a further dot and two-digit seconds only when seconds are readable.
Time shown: 7.10
